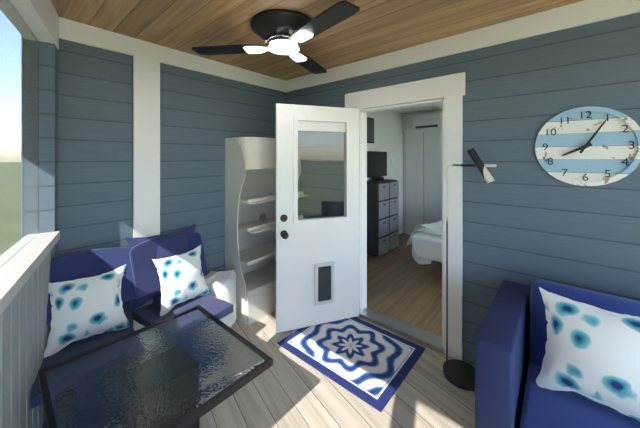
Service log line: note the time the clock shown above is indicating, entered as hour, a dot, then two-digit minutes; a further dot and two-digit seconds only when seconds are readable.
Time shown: 8.05
